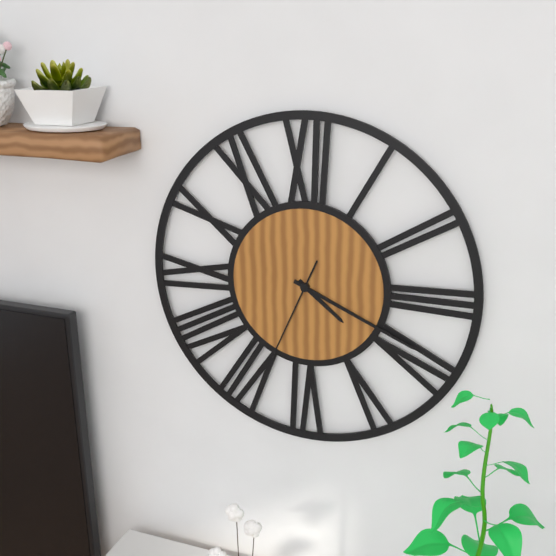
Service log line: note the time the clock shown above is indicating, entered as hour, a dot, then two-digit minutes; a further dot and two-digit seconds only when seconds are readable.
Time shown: 4.19.34
